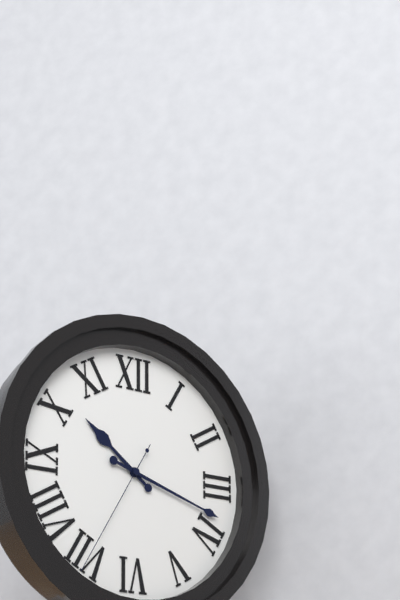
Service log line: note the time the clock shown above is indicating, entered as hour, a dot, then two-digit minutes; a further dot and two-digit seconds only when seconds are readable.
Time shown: 10.18.35
